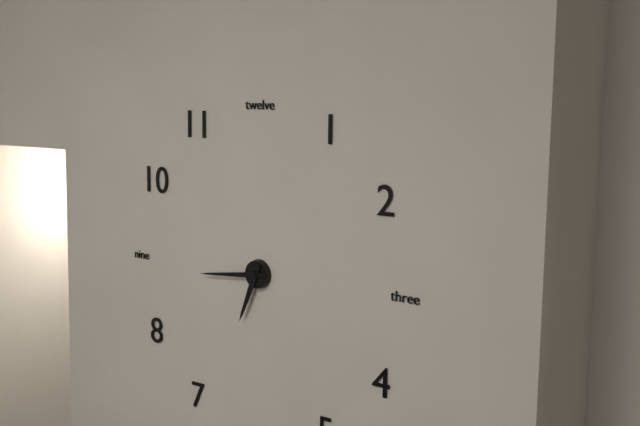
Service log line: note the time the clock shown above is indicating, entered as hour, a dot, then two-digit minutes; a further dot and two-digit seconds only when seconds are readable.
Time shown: 6.44
